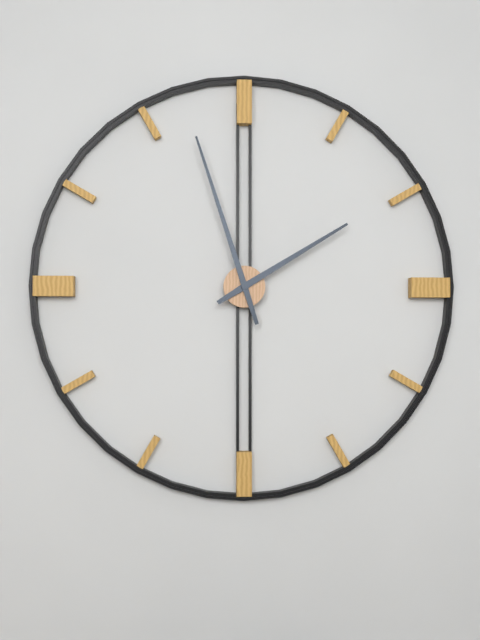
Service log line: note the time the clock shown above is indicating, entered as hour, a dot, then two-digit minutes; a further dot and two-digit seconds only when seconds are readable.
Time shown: 1.57
